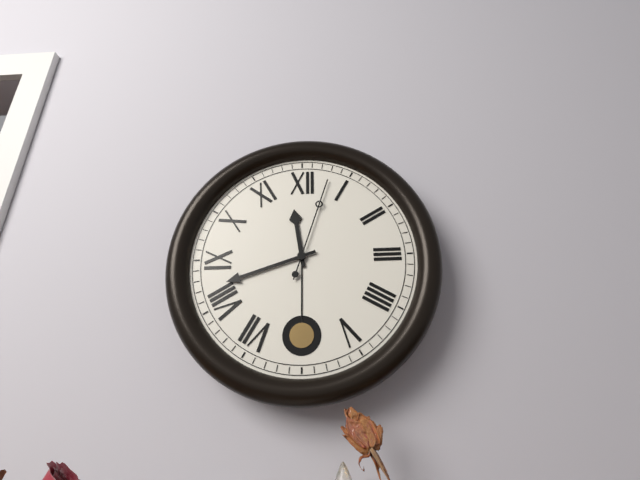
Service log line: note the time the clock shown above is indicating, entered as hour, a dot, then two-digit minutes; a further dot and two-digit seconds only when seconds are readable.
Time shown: 11.42.03
